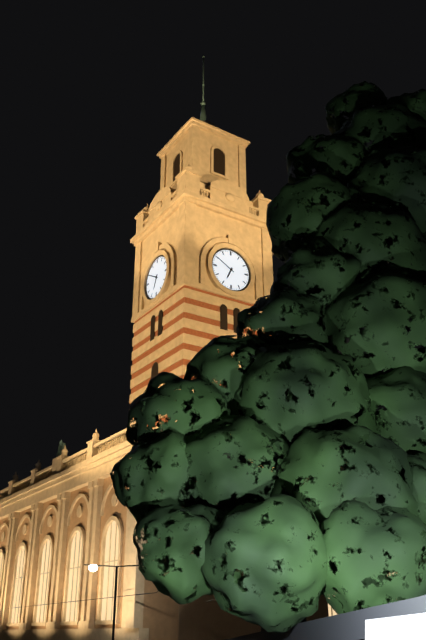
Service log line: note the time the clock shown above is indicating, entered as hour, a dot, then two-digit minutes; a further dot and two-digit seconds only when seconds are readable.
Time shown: 6.50
